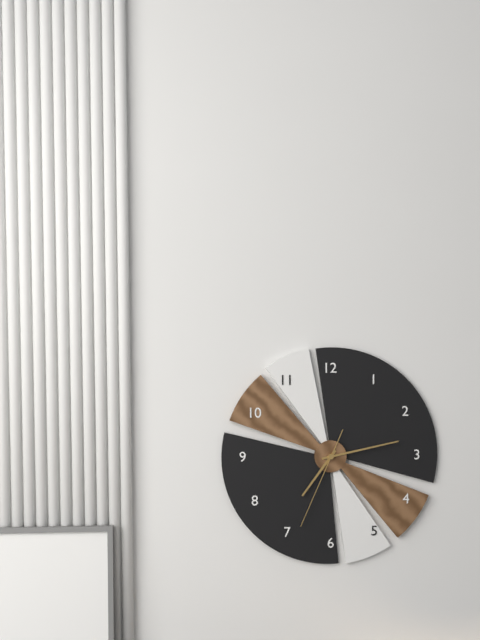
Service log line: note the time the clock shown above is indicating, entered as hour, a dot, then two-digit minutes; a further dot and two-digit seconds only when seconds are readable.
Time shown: 7.13.34
